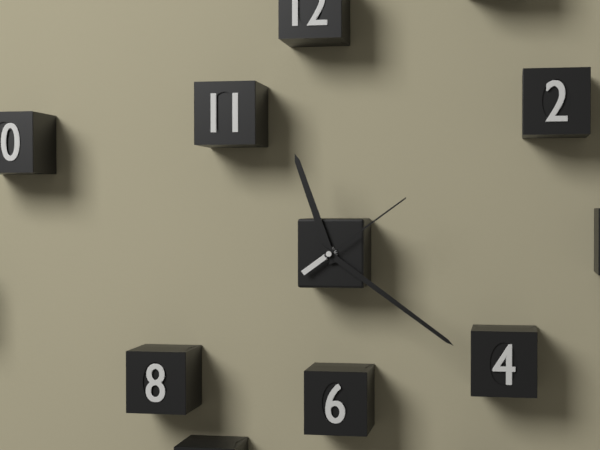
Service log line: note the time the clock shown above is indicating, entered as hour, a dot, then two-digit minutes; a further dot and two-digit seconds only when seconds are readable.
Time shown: 11.21.09
